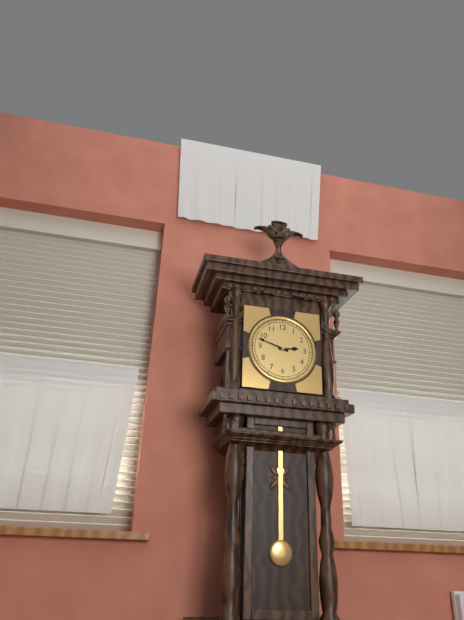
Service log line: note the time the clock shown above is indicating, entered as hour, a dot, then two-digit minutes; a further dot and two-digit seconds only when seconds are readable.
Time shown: 2.48
